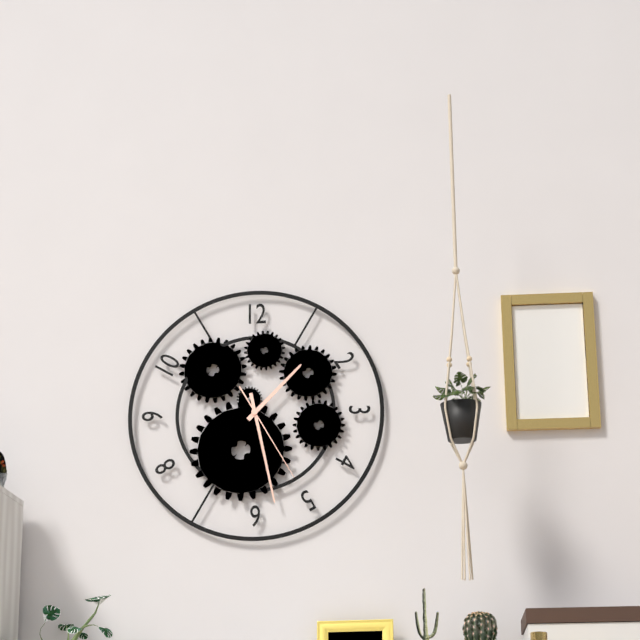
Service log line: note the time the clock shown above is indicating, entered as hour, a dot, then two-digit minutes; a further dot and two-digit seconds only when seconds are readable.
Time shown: 1.28.25
